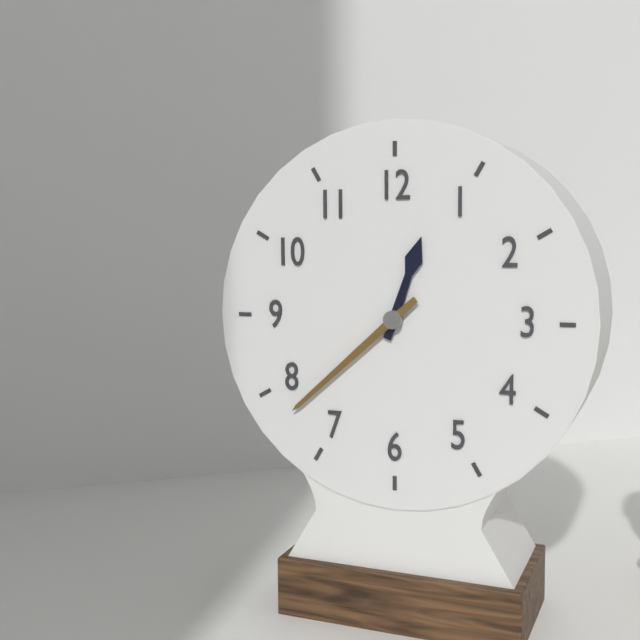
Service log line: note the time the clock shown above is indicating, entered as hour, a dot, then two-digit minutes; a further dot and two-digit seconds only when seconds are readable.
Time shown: 12.38
